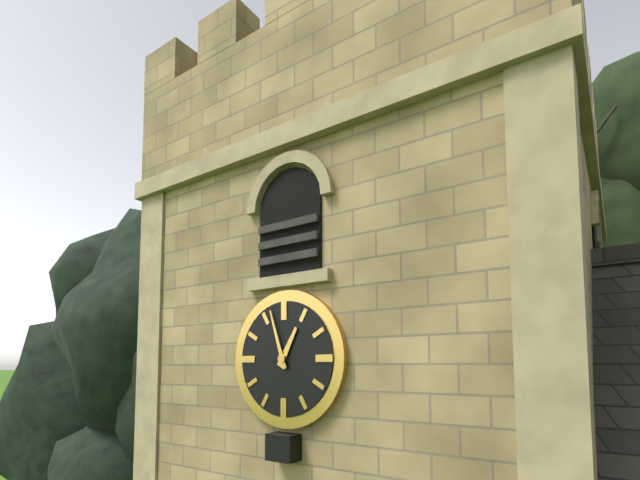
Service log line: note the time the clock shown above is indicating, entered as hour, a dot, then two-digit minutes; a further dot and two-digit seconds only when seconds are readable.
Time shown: 12.57
